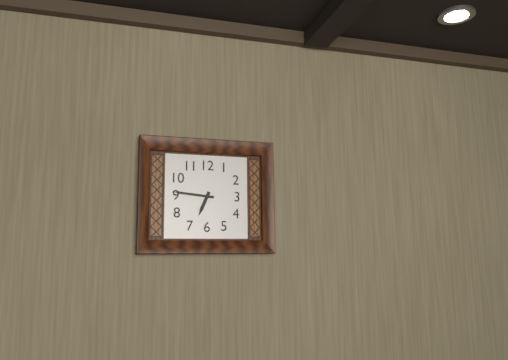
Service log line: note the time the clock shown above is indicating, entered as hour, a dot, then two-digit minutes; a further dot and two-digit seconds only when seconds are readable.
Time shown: 6.46
